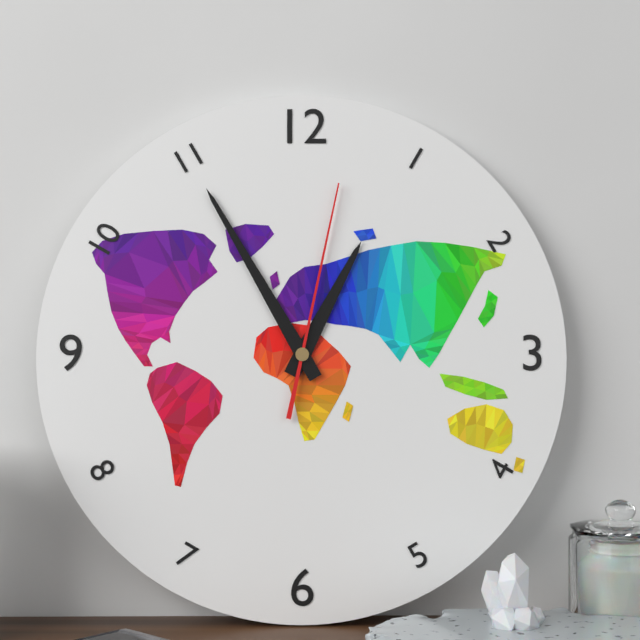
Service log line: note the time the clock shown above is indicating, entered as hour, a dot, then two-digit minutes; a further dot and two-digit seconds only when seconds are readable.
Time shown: 12.55.02
